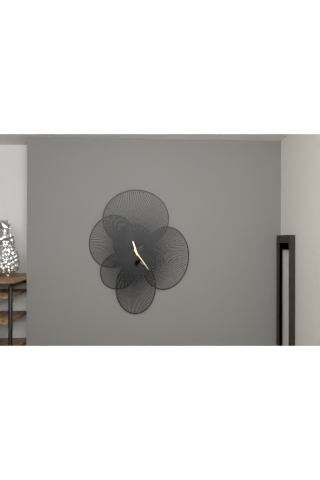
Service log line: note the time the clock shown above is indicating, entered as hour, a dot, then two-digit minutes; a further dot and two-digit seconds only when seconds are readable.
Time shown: 11.24
